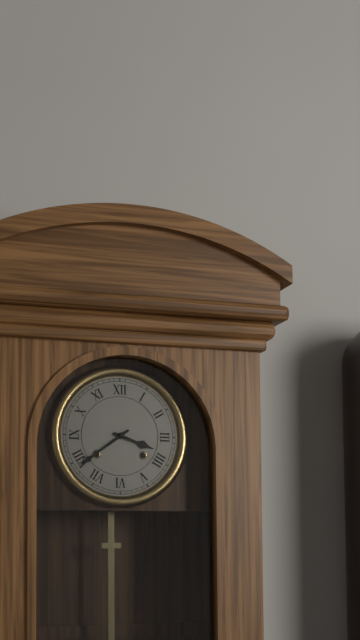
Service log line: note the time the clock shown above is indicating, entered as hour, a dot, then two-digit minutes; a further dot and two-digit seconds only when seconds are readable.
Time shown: 3.39
